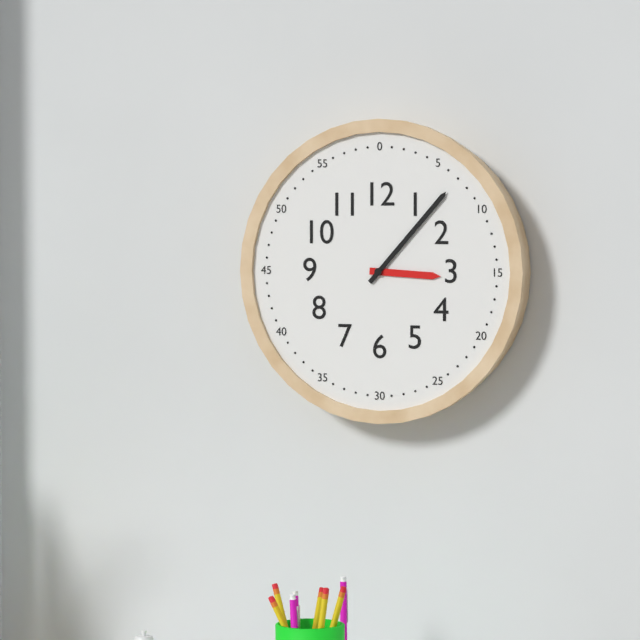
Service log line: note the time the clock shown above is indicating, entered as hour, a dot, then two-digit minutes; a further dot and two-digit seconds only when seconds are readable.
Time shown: 3.07
